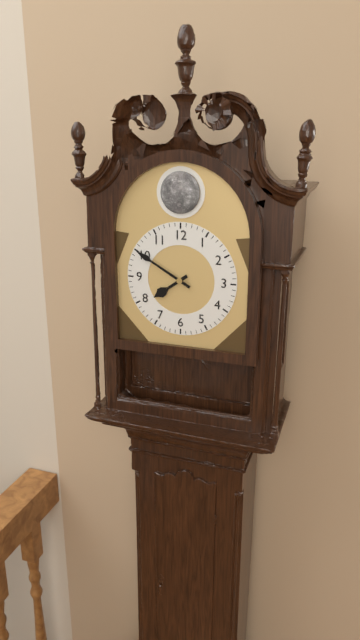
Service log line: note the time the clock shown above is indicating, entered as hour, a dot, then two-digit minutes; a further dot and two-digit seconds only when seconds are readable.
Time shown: 7.50
